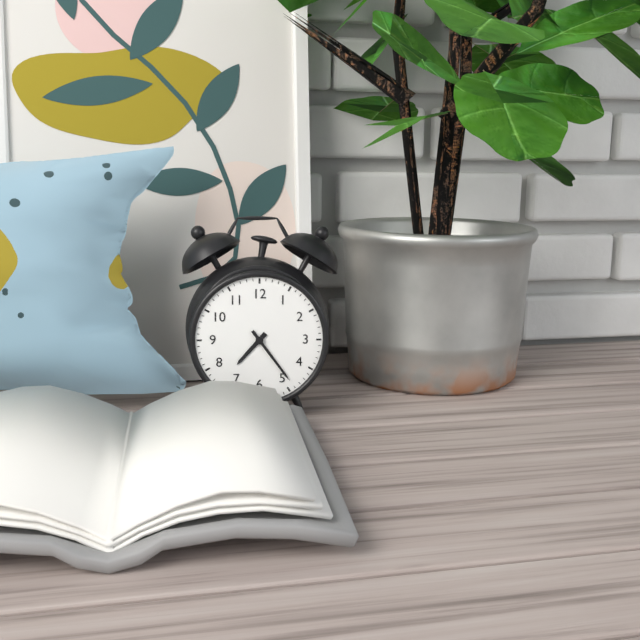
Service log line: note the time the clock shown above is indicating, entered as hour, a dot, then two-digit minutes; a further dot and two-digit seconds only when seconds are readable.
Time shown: 7.24
